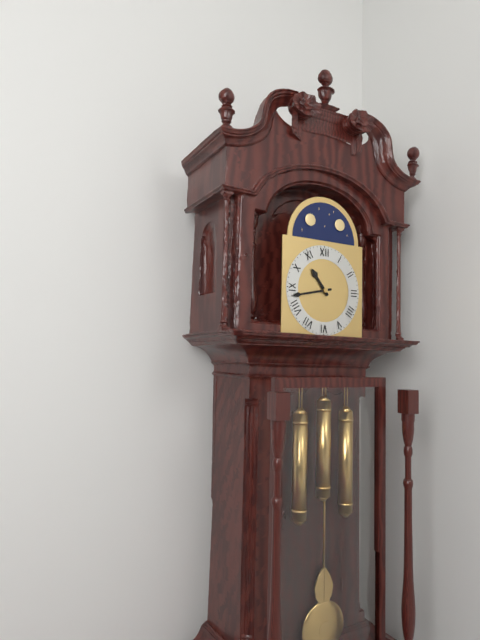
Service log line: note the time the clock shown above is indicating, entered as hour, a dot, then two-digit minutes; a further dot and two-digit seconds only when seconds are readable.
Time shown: 10.43
